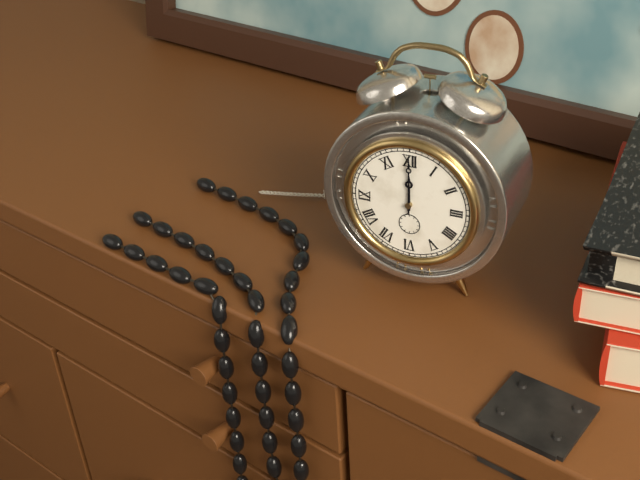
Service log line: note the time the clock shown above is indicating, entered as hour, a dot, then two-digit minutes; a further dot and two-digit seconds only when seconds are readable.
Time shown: 12.00
